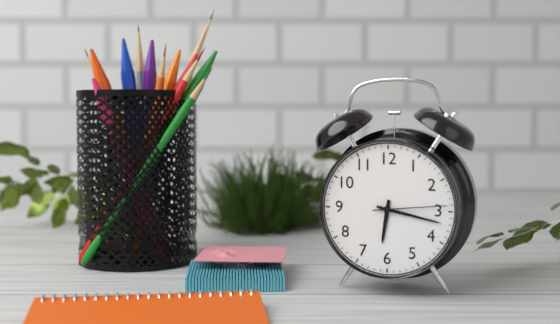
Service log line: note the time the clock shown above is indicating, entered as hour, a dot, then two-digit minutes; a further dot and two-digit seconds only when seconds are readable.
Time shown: 6.17.14
